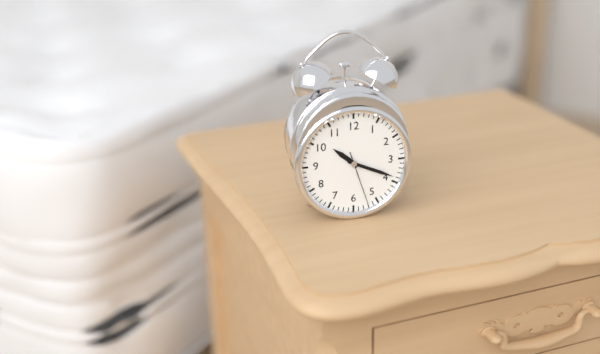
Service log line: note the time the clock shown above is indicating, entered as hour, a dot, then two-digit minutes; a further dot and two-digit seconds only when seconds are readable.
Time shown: 10.19.27
